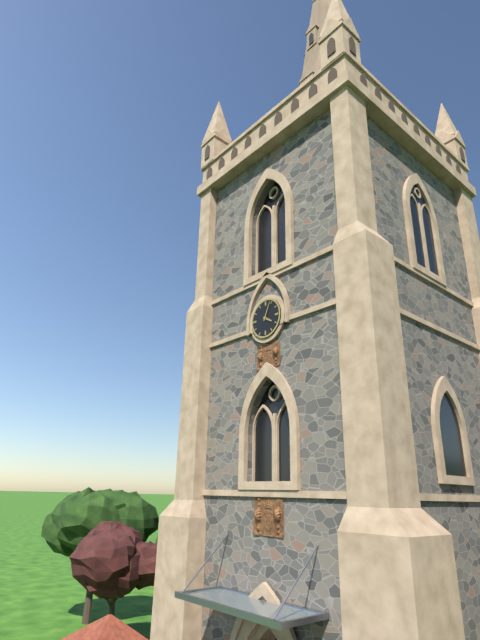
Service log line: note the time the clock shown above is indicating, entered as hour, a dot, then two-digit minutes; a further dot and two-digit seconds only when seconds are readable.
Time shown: 4.04
